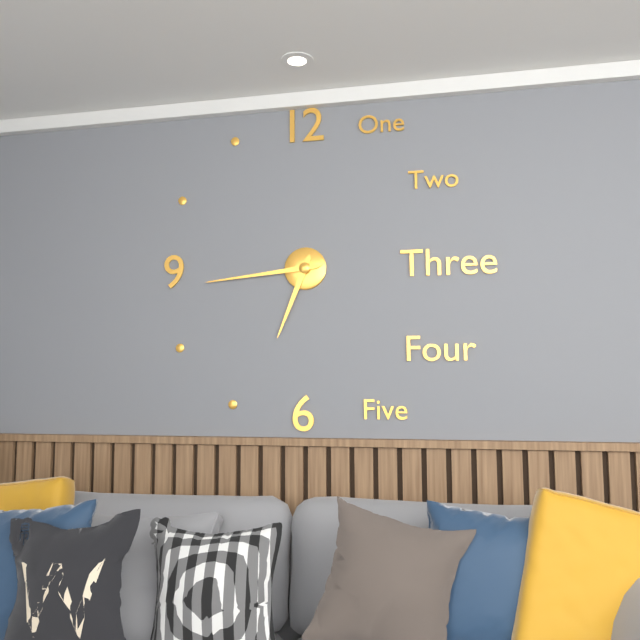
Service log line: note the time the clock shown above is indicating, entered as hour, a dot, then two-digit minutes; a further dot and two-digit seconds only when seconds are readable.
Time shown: 6.44
